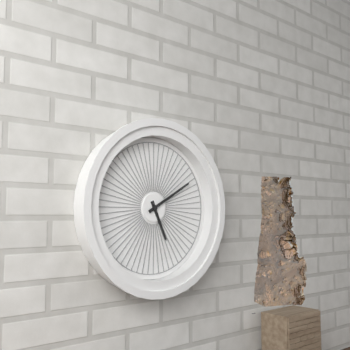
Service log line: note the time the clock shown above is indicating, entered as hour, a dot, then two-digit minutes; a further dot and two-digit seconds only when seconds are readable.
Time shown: 5.10
